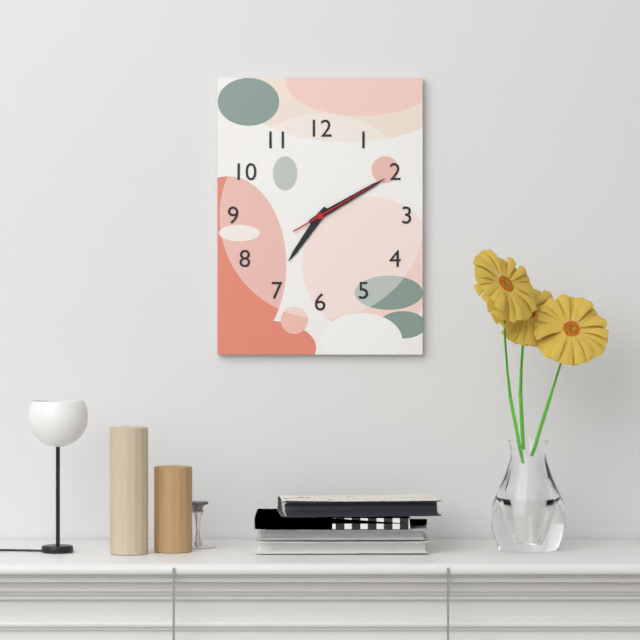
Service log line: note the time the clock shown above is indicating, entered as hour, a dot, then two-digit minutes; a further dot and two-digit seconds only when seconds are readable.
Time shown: 7.10.10
